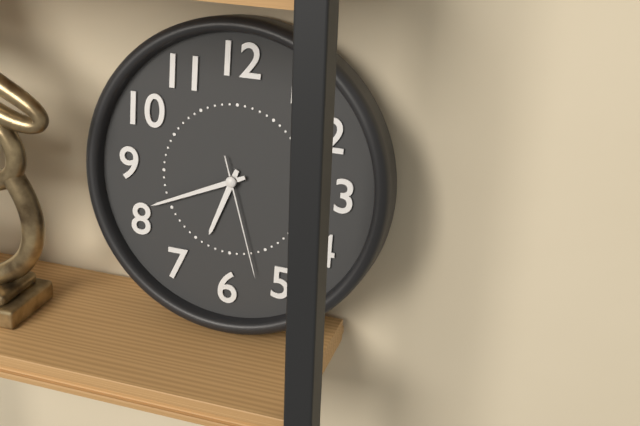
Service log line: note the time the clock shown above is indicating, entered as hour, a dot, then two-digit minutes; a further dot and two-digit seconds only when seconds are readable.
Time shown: 6.41.27
